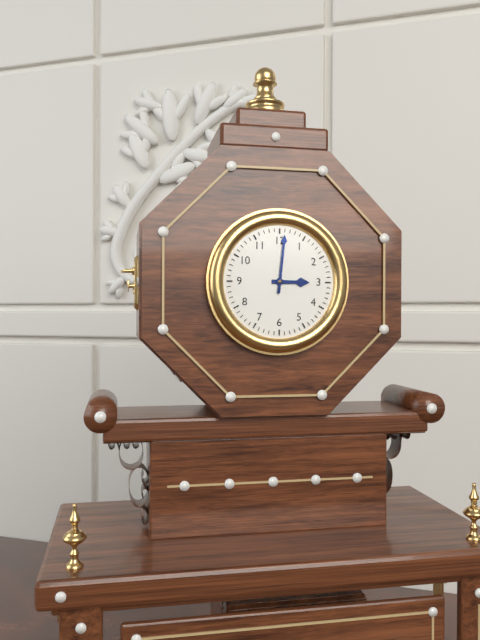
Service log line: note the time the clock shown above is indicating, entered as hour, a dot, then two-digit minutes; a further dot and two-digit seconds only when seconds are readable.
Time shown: 3.01
